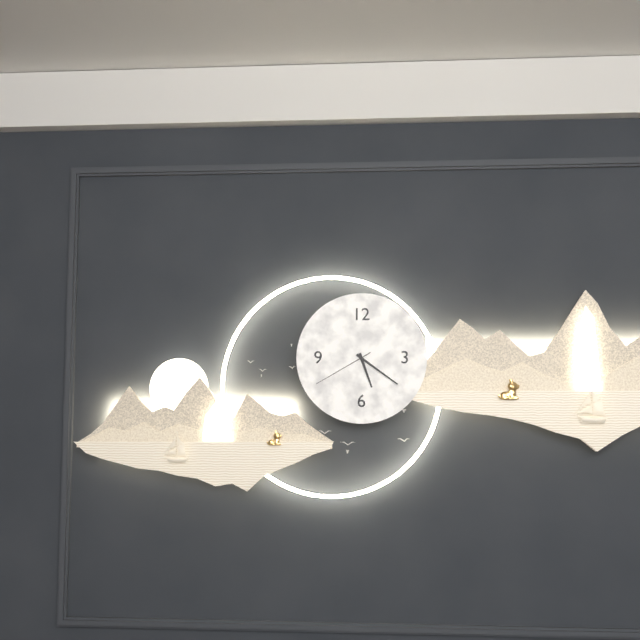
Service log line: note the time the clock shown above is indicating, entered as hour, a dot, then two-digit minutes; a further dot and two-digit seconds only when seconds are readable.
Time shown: 5.21.40
